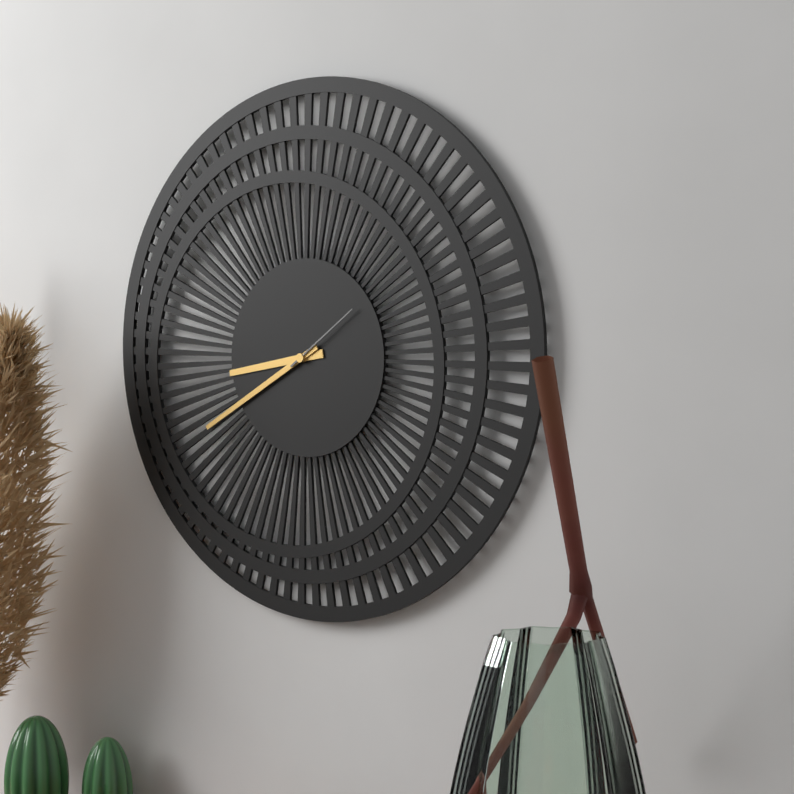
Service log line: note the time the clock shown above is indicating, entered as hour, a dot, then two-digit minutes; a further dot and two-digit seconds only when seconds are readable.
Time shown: 8.40.09
